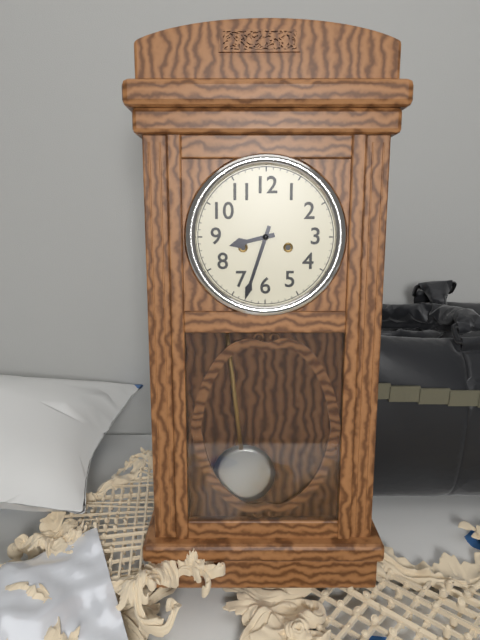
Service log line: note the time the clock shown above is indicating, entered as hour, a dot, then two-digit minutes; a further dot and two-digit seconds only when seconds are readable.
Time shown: 8.33
